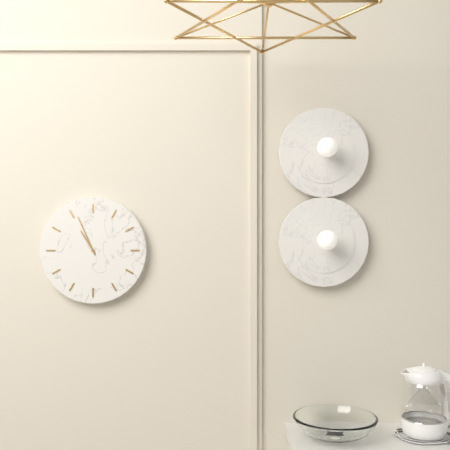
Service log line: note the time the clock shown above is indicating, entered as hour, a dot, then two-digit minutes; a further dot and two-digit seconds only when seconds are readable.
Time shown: 10.56
